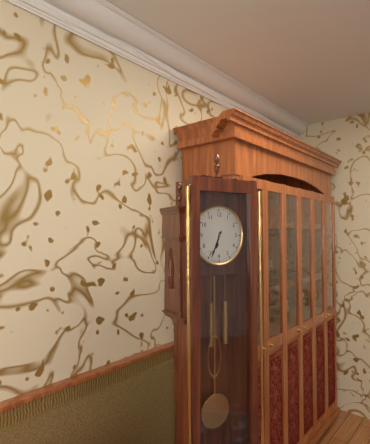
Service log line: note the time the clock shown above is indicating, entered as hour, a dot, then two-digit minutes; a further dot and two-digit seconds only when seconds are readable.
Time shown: 6.34
